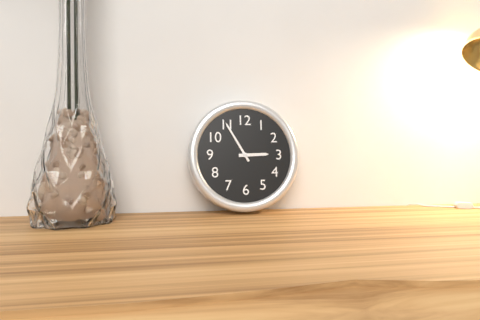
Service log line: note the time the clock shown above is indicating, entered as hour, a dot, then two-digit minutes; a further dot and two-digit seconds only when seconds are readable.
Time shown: 2.55
